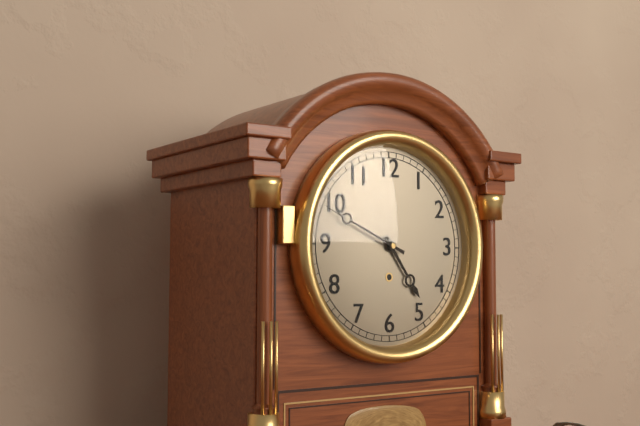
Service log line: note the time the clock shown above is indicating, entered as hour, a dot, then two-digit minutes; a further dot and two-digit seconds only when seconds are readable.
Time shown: 4.49
